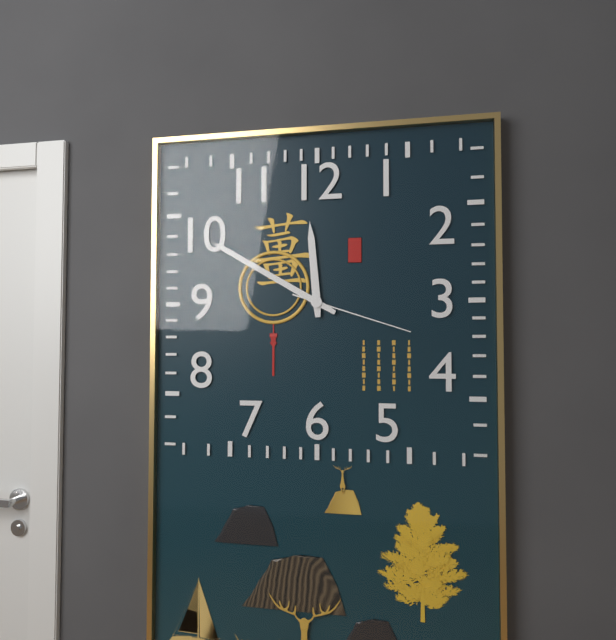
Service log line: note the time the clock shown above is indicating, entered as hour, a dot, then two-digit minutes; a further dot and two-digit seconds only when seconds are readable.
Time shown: 11.50.18
